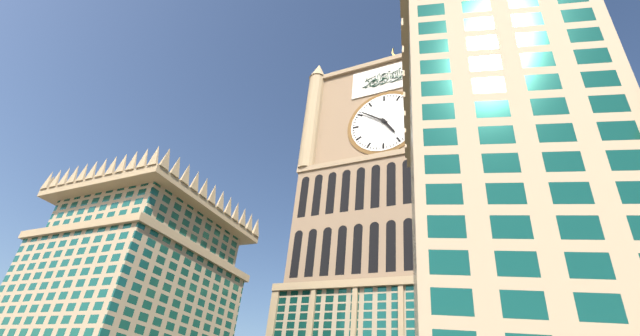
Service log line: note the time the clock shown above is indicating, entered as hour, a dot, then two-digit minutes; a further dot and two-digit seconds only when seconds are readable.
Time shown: 4.51
